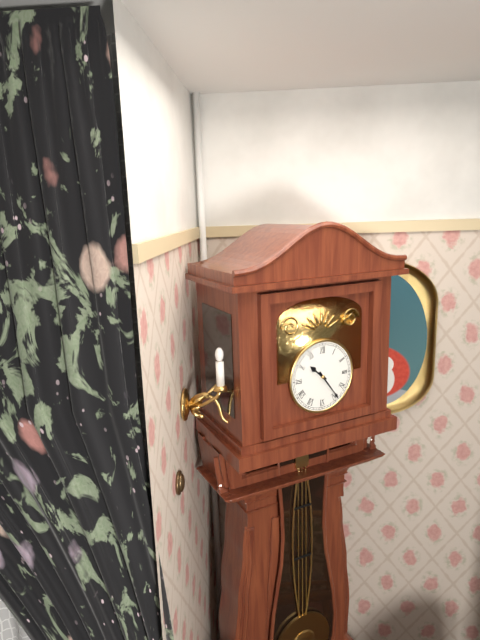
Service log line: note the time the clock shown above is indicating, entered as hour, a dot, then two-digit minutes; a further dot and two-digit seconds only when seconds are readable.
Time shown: 10.24
